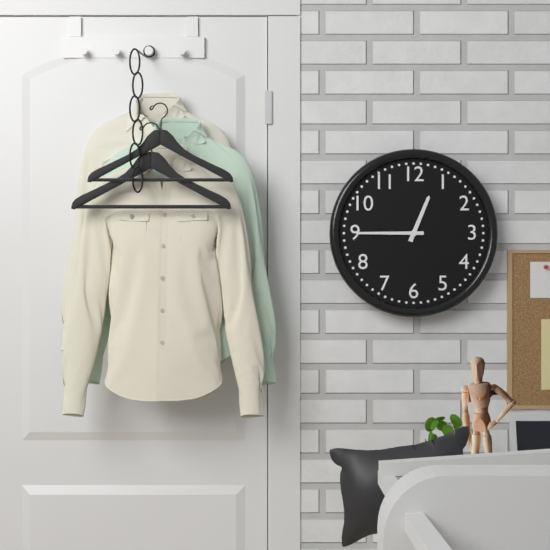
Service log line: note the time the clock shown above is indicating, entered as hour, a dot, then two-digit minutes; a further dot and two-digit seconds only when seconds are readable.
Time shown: 12.45
